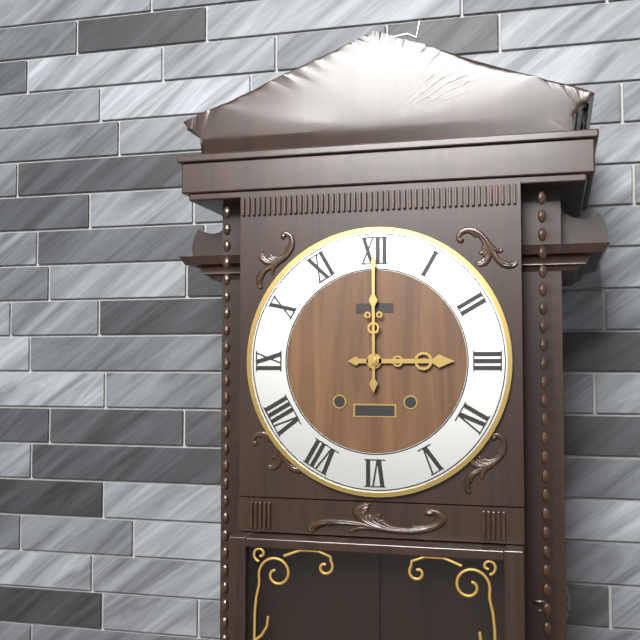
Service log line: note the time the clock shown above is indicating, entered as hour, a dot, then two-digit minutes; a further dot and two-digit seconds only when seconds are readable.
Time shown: 3.00
